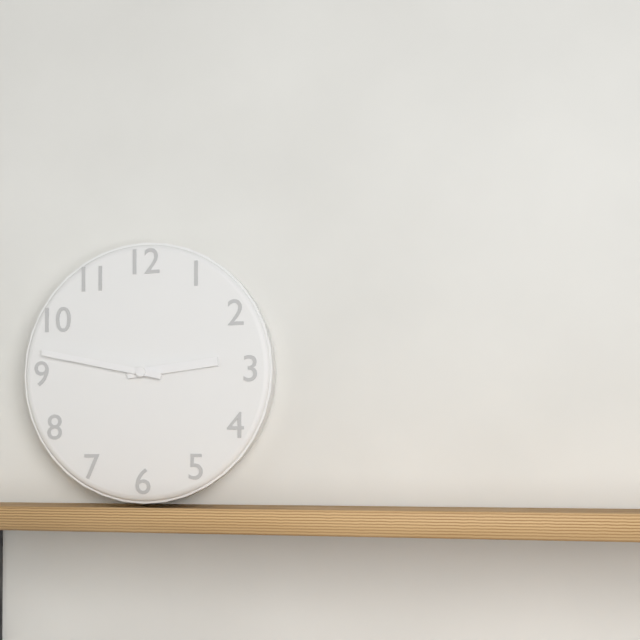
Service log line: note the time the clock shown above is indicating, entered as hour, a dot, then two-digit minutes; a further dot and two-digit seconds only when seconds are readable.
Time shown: 2.47
